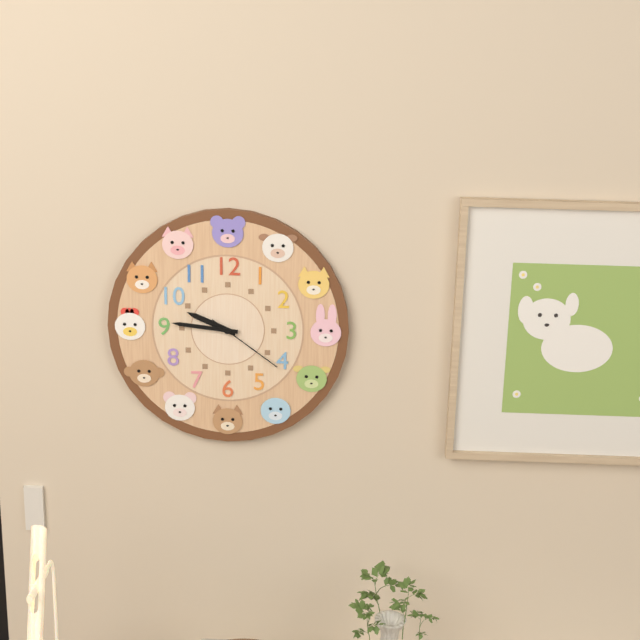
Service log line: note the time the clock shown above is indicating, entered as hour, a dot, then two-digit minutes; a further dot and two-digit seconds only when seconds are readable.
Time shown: 9.46.21
